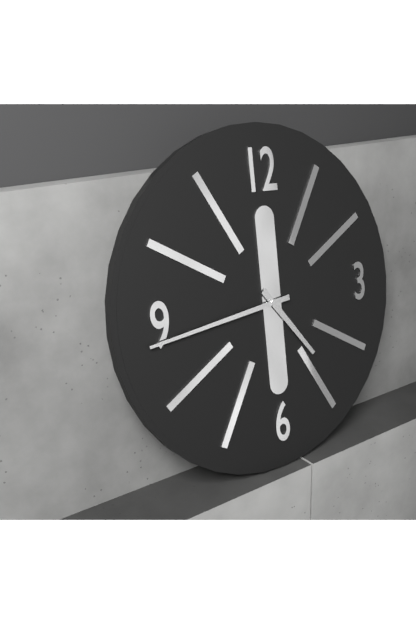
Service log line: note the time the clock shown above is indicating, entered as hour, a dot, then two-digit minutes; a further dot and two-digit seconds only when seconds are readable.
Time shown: 4.44
